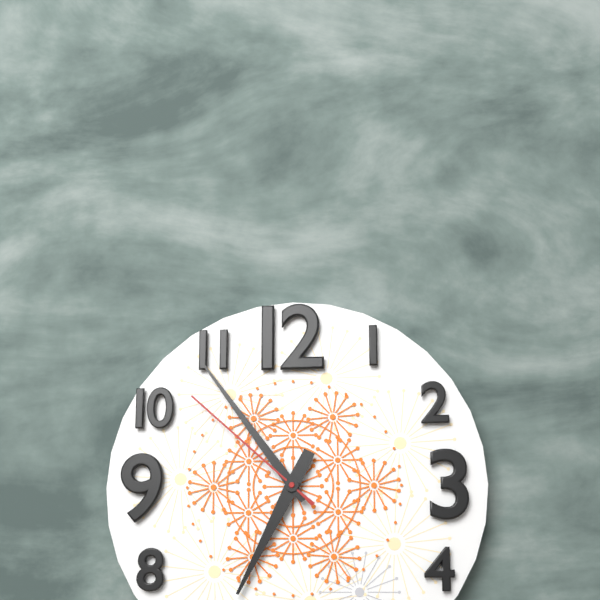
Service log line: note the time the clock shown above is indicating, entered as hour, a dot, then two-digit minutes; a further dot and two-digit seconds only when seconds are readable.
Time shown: 6.54.52
